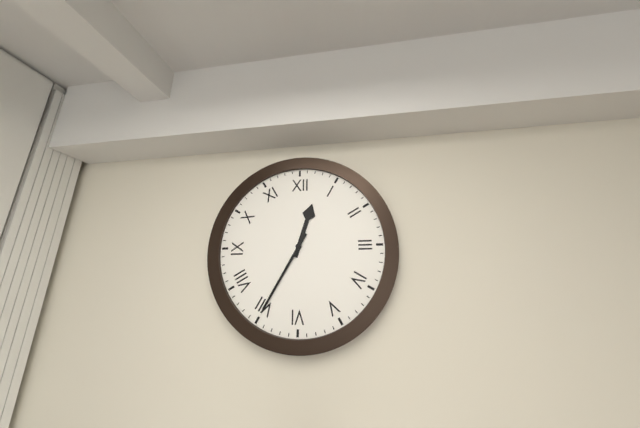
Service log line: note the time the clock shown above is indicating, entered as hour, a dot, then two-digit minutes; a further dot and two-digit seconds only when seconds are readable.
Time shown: 12.35
